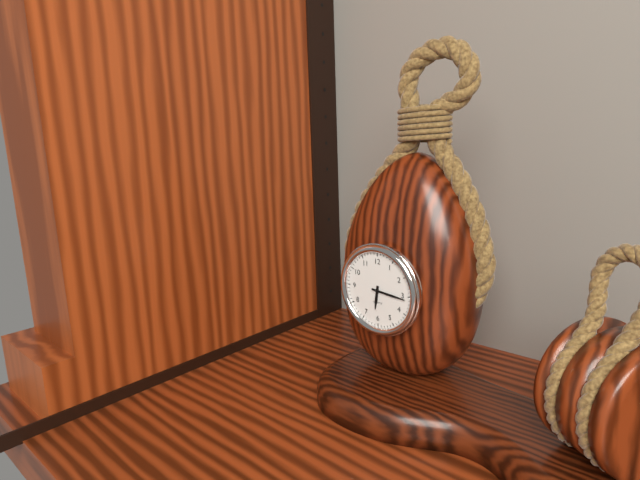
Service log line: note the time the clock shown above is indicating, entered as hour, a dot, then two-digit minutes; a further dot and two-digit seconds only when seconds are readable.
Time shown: 6.16
